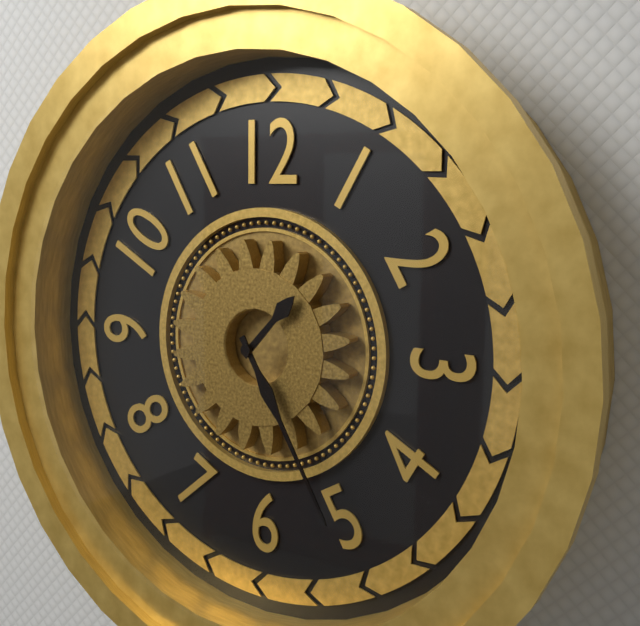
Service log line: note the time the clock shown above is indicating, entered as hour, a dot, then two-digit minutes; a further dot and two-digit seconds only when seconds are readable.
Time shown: 1.25
